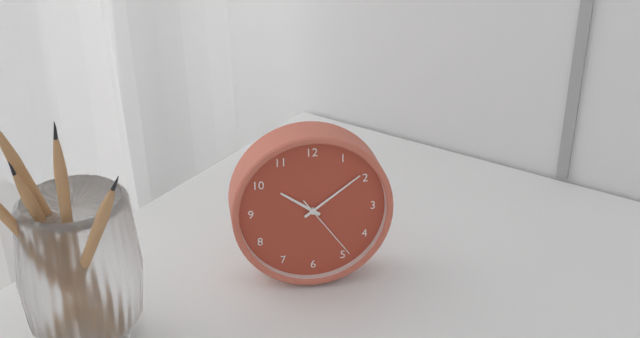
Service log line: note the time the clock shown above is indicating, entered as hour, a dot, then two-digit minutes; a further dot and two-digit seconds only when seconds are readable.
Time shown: 10.09.24
